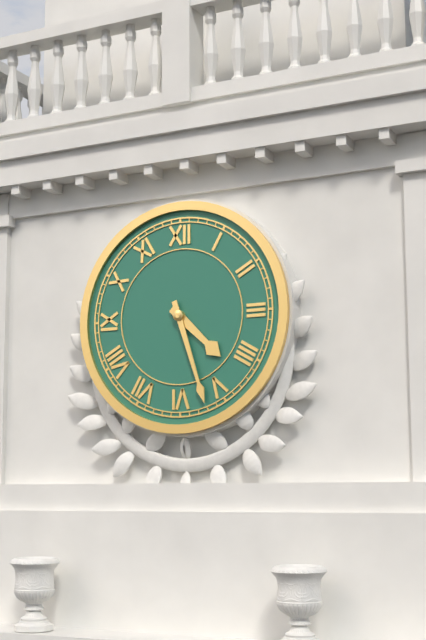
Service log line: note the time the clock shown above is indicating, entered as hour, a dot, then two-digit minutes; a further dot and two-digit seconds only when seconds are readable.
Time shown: 4.27
